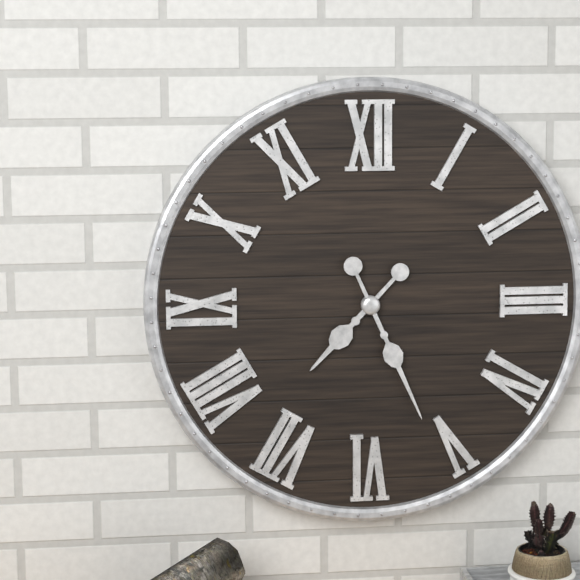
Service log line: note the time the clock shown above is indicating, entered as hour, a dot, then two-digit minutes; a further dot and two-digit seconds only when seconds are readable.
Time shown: 7.26
